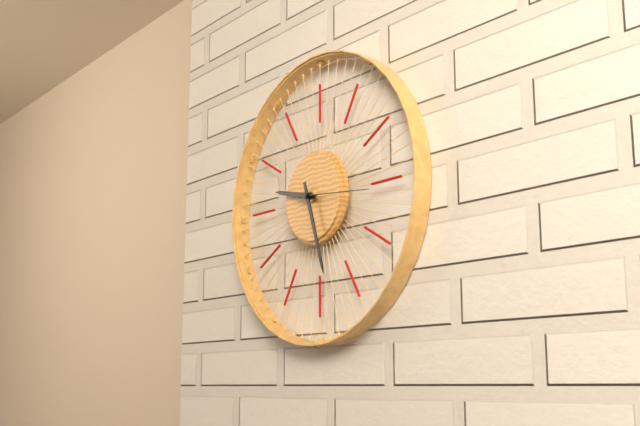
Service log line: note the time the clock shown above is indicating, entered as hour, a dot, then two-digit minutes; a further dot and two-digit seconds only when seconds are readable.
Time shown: 9.27.16
